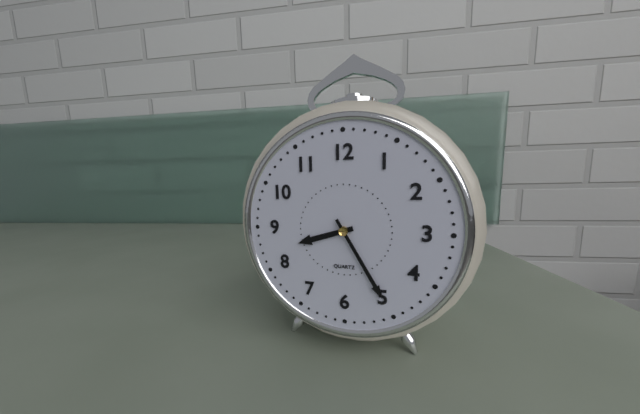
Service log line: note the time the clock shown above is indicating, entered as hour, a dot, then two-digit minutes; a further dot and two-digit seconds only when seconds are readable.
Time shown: 8.25
